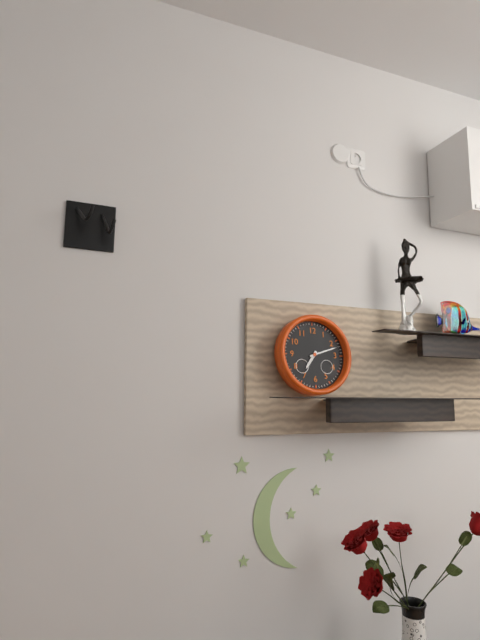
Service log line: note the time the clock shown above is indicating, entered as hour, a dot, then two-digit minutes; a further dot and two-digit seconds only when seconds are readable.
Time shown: 7.12
